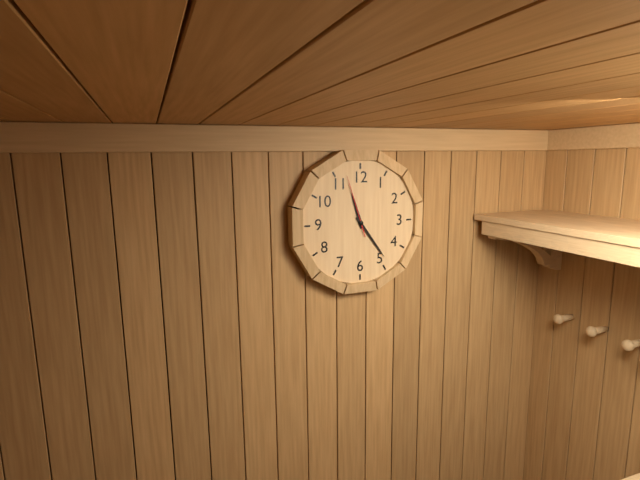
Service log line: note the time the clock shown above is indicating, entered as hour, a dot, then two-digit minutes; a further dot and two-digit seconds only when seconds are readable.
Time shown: 11.24.57
